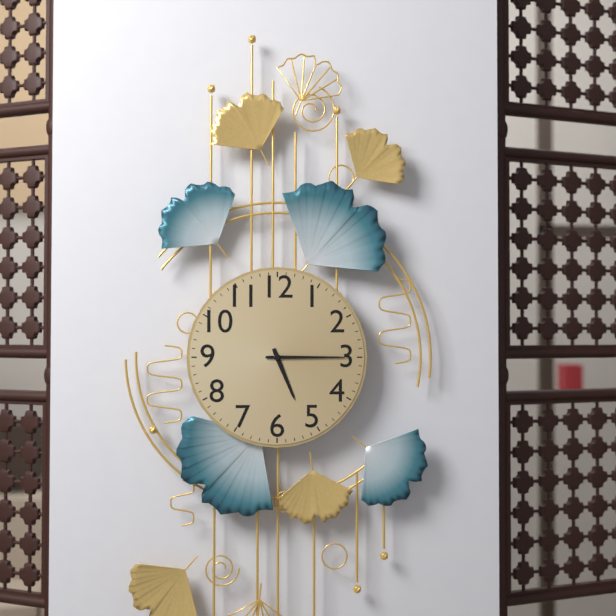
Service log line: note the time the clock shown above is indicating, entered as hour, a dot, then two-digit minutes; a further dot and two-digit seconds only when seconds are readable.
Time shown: 5.15
